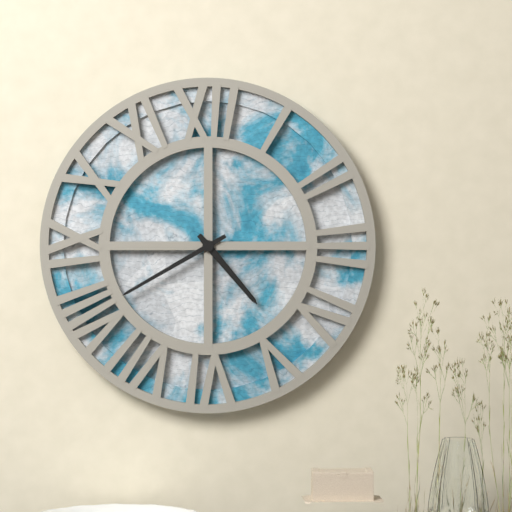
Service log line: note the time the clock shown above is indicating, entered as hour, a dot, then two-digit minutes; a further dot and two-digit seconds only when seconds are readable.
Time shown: 4.40
